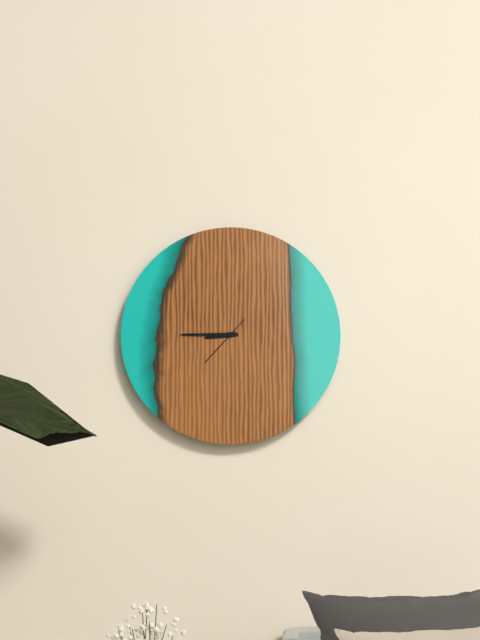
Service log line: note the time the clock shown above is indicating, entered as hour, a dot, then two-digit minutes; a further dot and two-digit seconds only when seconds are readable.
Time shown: 8.45
